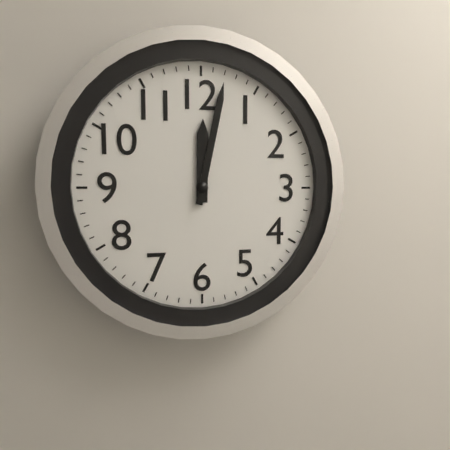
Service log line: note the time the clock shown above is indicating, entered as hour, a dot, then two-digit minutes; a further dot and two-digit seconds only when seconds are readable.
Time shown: 12.02
